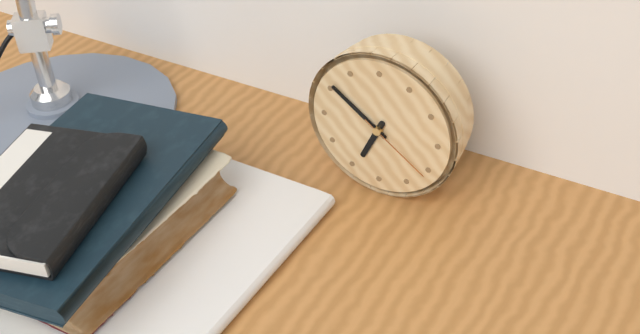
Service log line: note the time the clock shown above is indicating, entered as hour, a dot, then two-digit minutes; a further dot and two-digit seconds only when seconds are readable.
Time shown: 6.51.21
